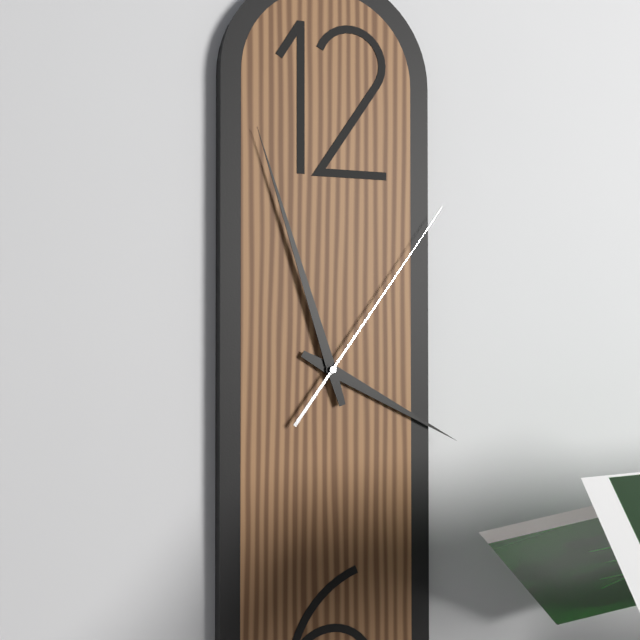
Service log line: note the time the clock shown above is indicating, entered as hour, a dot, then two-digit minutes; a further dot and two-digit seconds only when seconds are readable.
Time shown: 3.57.06
